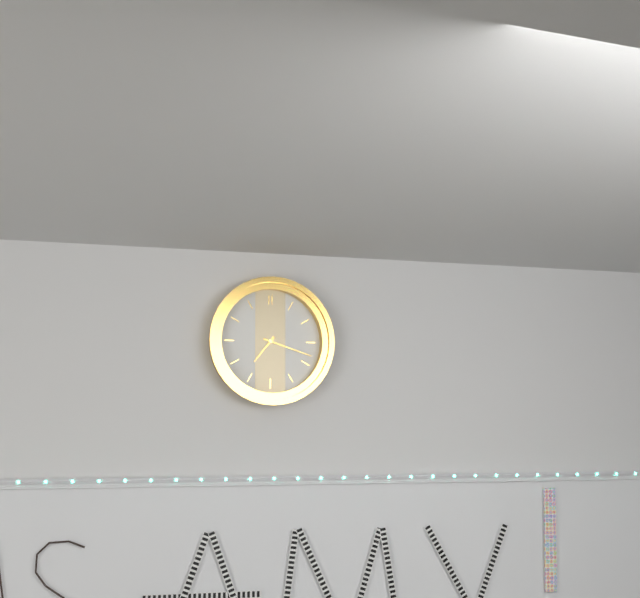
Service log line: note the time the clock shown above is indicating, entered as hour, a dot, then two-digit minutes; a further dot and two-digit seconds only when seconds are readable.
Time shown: 7.18
